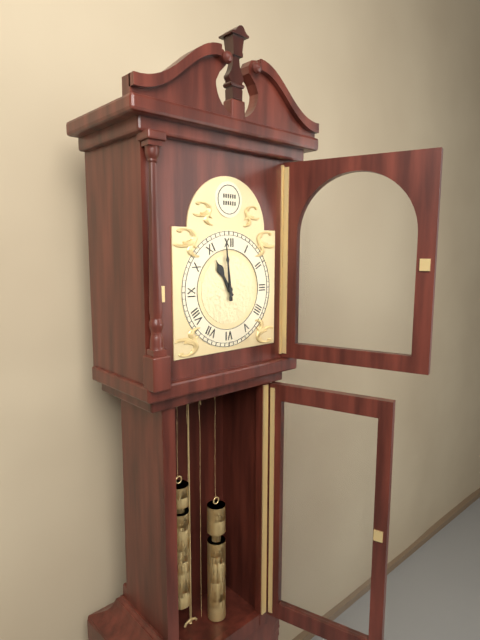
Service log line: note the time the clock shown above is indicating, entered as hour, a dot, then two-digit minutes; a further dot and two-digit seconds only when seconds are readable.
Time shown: 10.59
